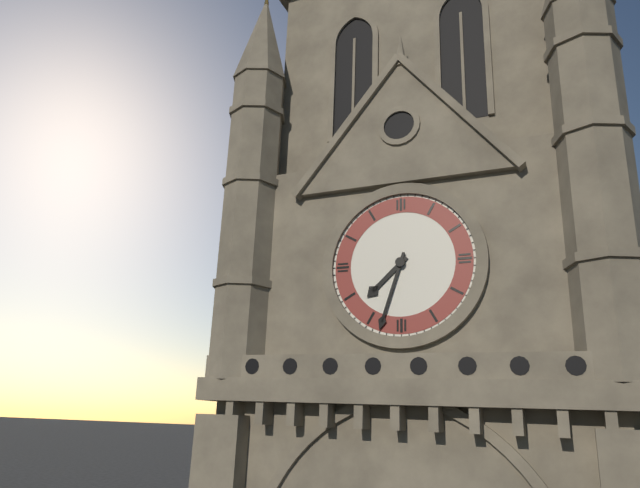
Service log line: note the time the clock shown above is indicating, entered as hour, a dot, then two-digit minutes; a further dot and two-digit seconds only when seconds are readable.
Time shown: 7.33
